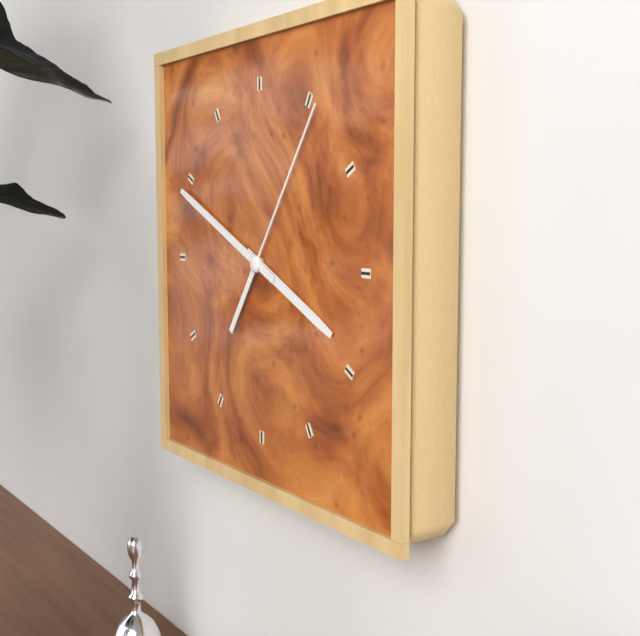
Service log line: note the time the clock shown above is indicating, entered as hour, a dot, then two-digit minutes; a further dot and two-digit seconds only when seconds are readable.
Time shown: 3.49.06
